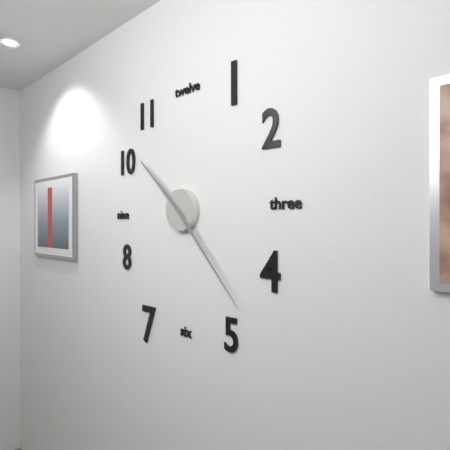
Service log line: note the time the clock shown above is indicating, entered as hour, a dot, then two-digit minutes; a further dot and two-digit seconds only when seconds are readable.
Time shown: 10.23
